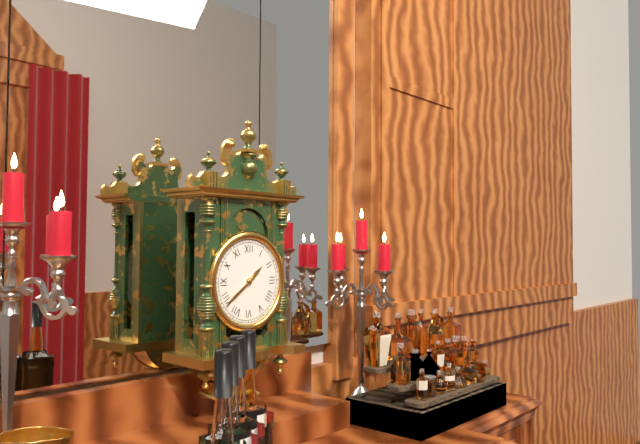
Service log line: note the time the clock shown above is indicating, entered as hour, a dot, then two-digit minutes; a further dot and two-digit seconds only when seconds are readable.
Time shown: 1.39
